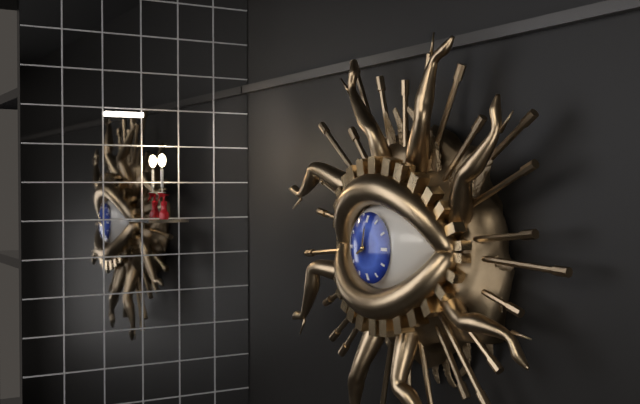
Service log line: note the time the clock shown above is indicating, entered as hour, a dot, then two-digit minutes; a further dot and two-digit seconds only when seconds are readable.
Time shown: 8.02
